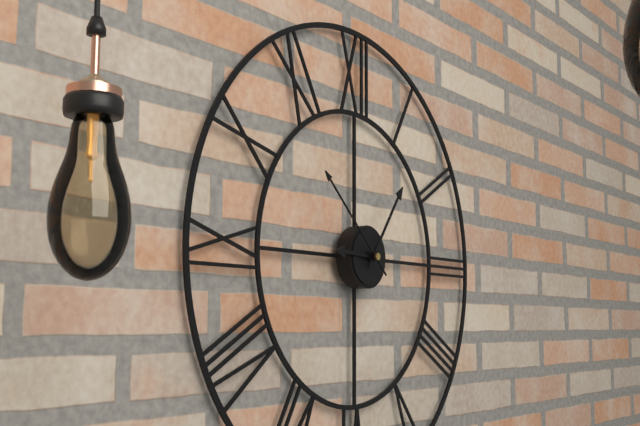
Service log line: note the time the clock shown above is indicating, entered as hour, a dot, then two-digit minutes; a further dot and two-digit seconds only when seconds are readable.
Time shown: 9.06.52
